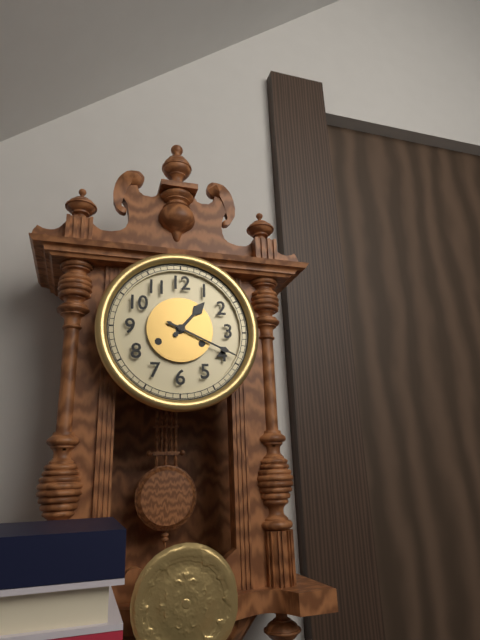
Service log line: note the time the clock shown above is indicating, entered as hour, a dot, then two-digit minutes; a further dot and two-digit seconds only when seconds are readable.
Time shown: 1.19
